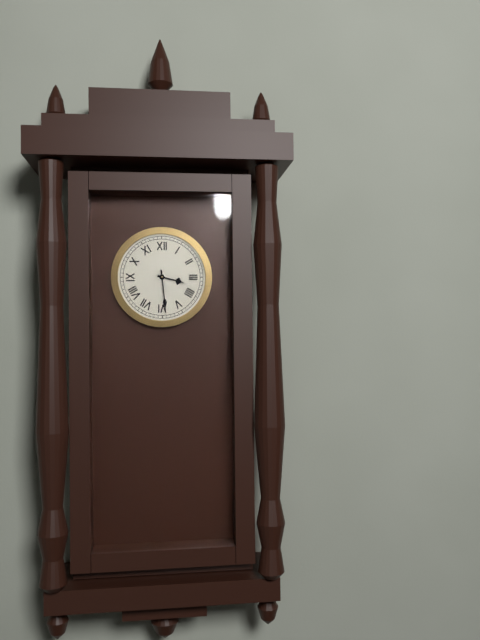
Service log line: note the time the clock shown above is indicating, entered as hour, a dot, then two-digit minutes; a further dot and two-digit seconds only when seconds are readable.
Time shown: 3.29
